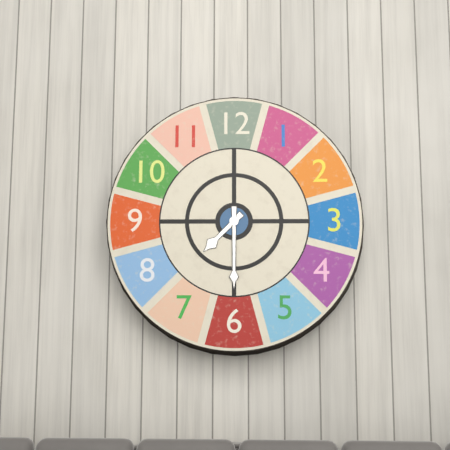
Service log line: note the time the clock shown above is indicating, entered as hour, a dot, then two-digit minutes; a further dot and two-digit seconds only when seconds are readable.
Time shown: 7.30
